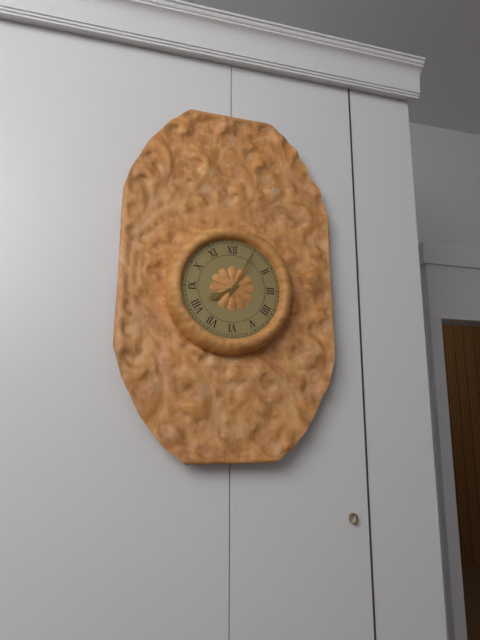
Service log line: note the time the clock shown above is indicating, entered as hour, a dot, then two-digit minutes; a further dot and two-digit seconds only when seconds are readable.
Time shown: 8.05
